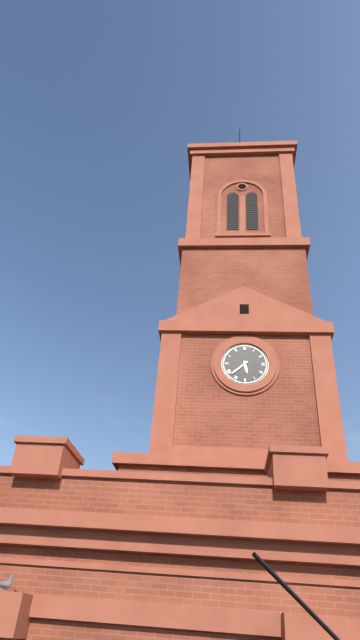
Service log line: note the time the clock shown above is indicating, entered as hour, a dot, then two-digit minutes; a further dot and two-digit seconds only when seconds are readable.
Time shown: 5.38
